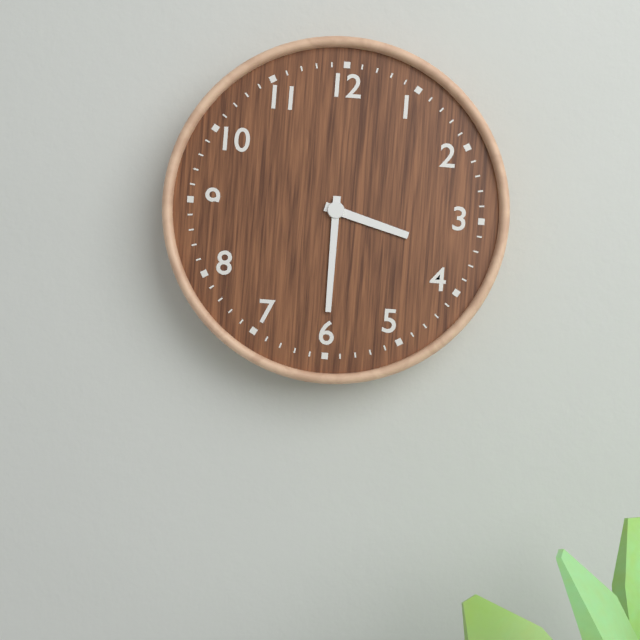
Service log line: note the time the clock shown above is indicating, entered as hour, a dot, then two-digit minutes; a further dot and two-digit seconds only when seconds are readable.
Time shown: 3.30
